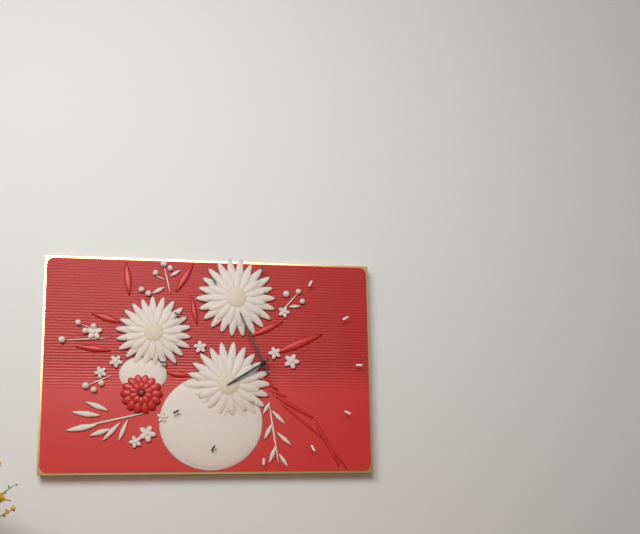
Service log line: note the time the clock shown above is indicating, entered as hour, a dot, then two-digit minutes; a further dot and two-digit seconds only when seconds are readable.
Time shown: 7.56
